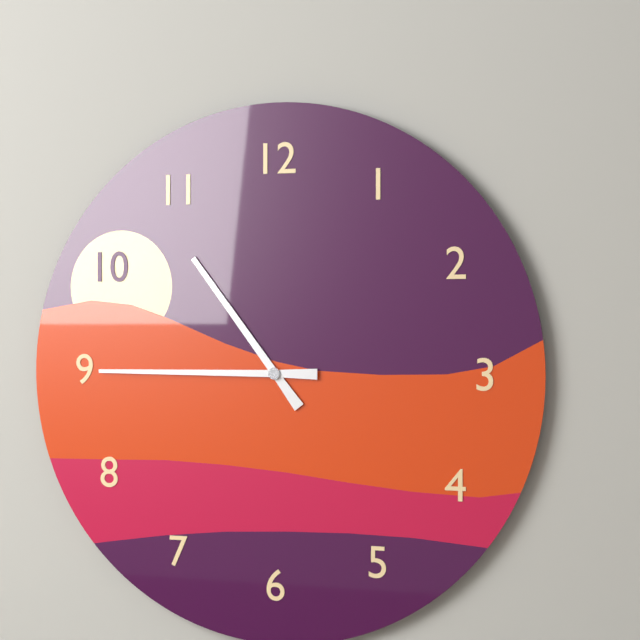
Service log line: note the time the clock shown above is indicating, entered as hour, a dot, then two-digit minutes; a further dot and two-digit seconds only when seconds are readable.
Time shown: 10.45
